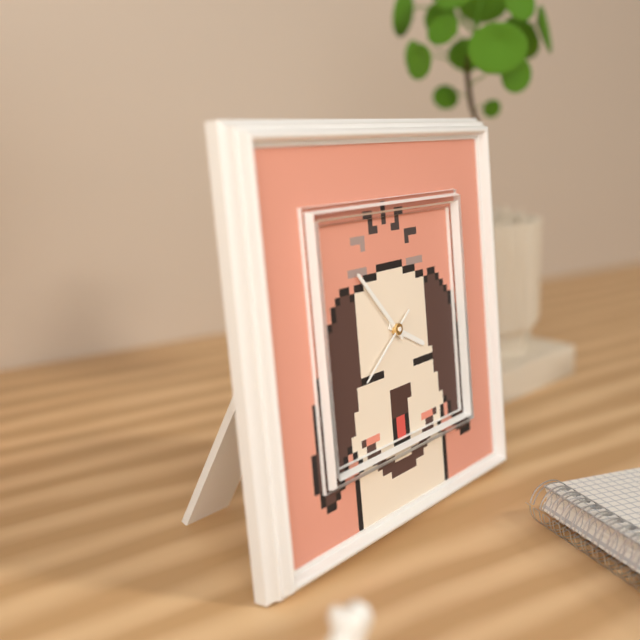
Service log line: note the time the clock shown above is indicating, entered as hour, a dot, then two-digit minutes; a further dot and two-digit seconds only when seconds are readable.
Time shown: 3.53.39
